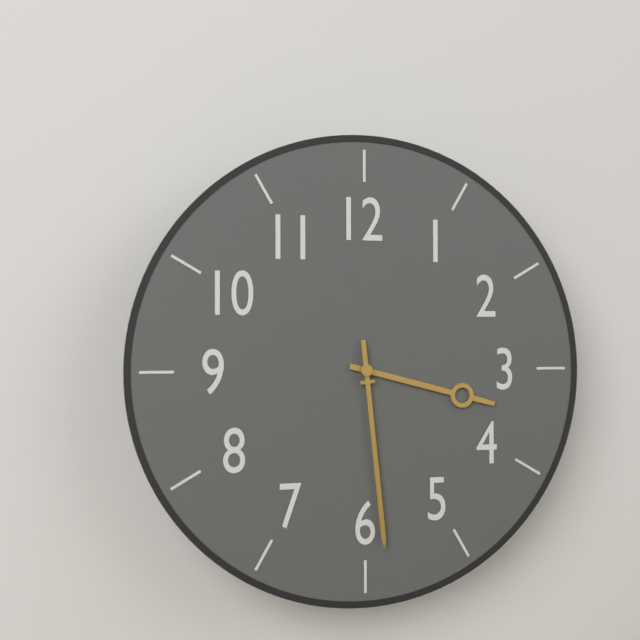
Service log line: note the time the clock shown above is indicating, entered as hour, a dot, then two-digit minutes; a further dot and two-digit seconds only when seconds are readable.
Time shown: 3.29
